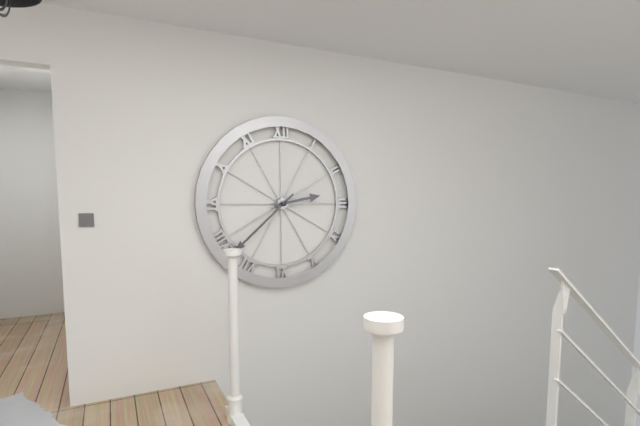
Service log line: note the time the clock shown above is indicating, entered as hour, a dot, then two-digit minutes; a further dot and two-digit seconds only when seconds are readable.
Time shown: 2.38
